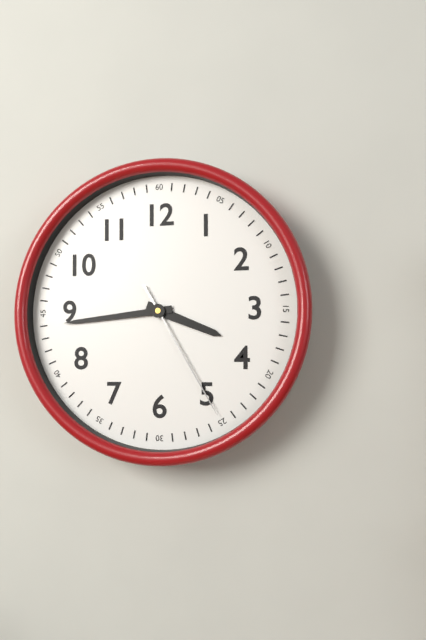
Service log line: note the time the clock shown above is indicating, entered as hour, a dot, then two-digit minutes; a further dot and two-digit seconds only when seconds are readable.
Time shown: 3.44.25
